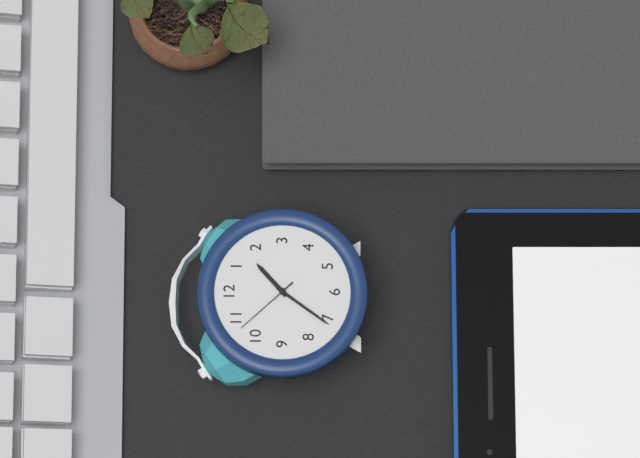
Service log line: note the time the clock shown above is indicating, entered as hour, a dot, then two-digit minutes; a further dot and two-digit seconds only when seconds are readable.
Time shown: 1.36.53
